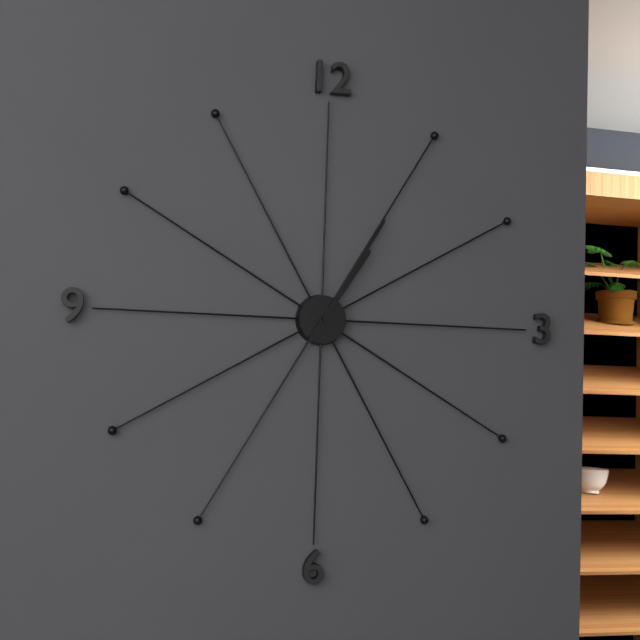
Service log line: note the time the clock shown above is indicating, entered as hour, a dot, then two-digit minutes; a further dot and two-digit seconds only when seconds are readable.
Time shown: 1.05
